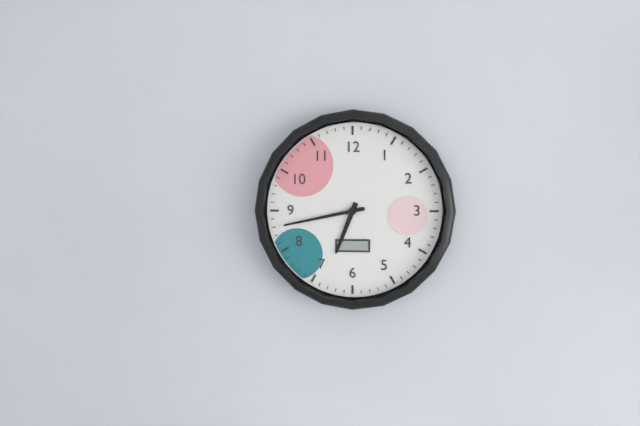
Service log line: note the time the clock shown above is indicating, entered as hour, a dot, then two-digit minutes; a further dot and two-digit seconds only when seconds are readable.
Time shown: 6.43
